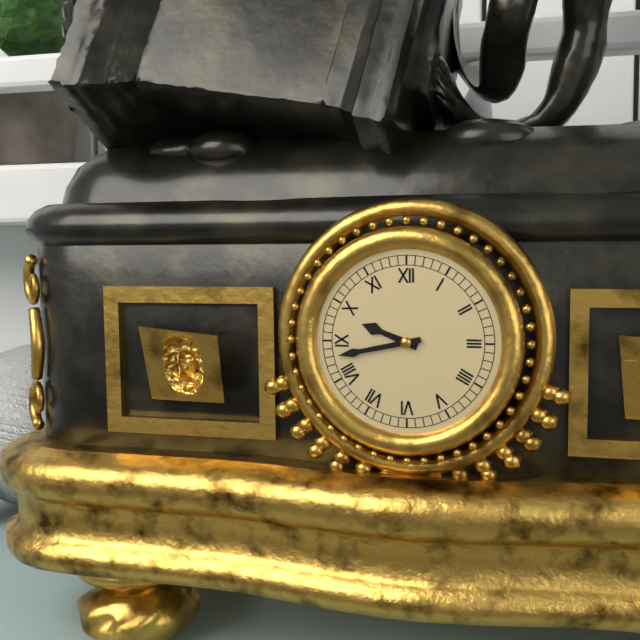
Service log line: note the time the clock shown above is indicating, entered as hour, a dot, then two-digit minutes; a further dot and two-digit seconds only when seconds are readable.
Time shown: 9.43
